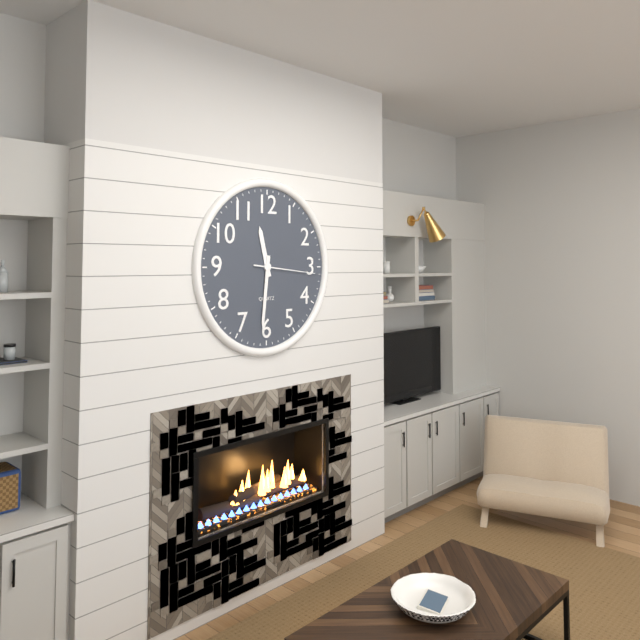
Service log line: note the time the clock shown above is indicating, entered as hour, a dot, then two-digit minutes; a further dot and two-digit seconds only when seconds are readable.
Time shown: 11.31.16
